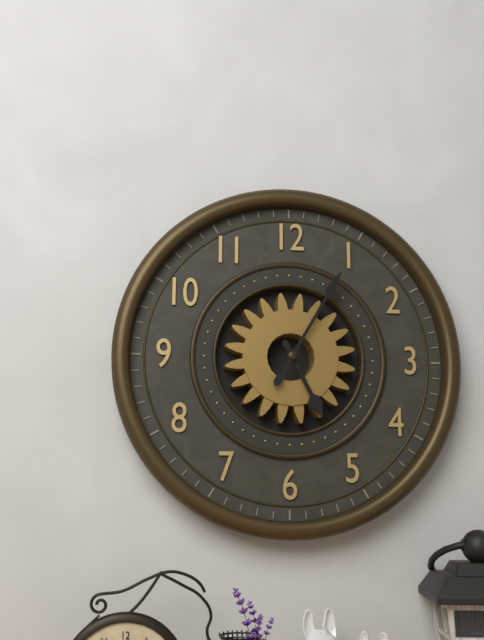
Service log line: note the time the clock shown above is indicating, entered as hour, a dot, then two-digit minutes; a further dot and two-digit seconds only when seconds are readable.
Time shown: 5.05
